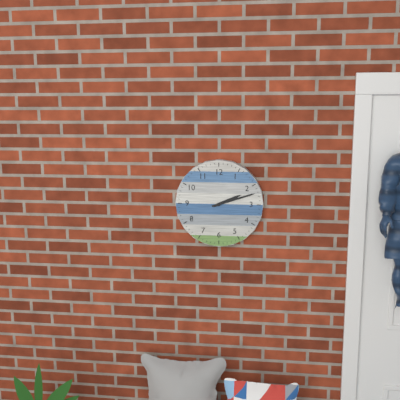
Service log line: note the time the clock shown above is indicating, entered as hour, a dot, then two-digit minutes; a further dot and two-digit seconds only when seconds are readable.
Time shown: 2.12
